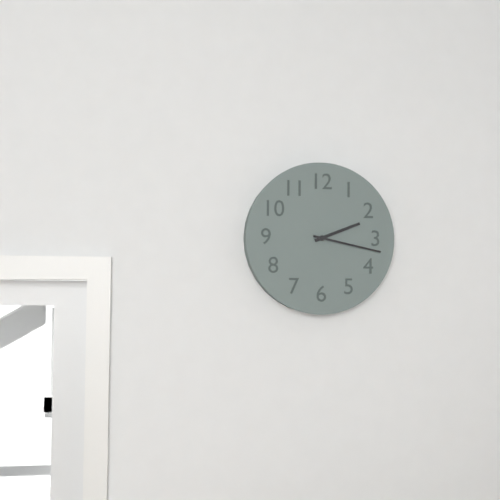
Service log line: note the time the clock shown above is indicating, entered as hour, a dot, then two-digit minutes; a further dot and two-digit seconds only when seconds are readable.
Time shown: 2.17
